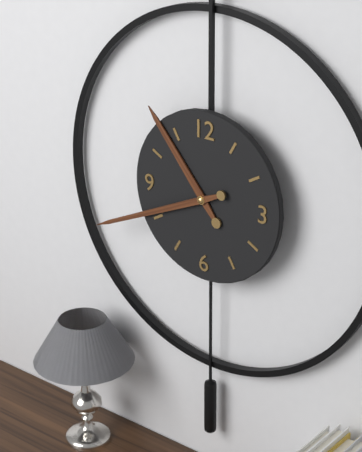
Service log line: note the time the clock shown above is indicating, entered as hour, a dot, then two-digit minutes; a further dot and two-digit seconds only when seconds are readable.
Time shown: 10.41
